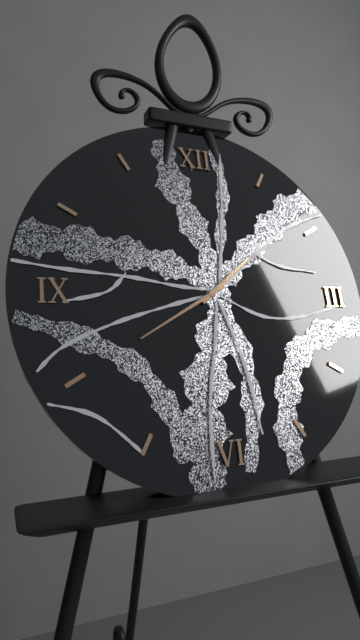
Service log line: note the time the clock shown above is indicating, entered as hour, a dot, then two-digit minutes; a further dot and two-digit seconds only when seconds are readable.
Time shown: 1.40
